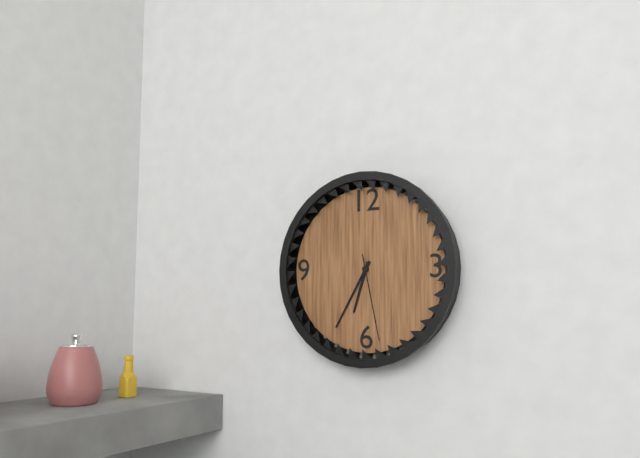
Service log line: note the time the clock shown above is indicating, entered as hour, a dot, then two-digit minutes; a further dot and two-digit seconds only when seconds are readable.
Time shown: 6.35.28
